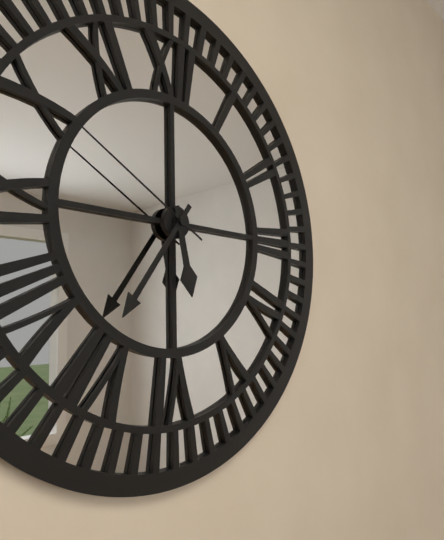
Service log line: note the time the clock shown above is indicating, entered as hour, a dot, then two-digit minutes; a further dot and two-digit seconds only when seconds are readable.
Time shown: 5.36.50
